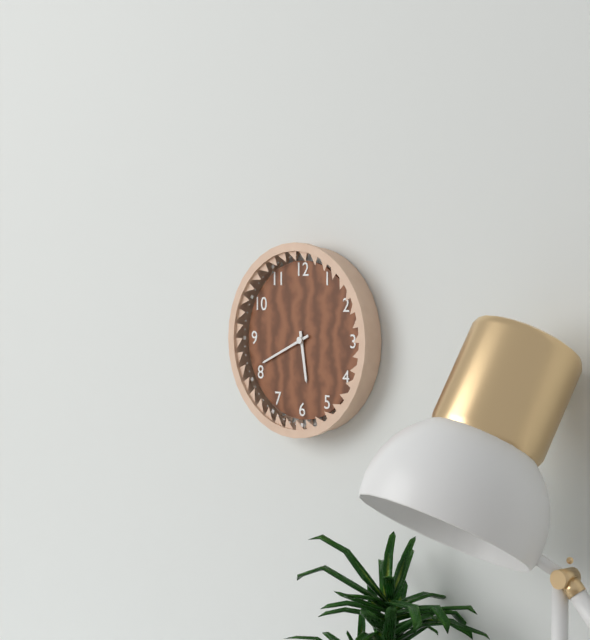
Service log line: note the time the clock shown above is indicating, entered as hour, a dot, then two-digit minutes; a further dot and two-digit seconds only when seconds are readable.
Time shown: 5.41
